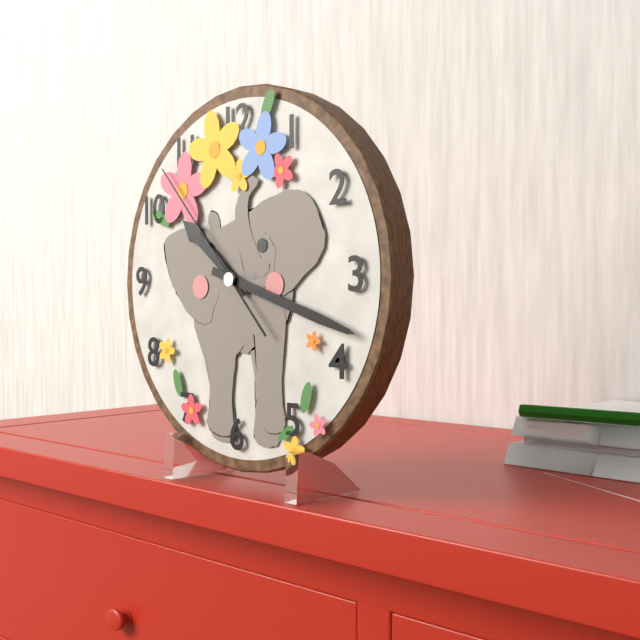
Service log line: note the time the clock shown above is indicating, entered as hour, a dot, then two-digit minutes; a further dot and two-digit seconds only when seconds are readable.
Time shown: 10.18.53
